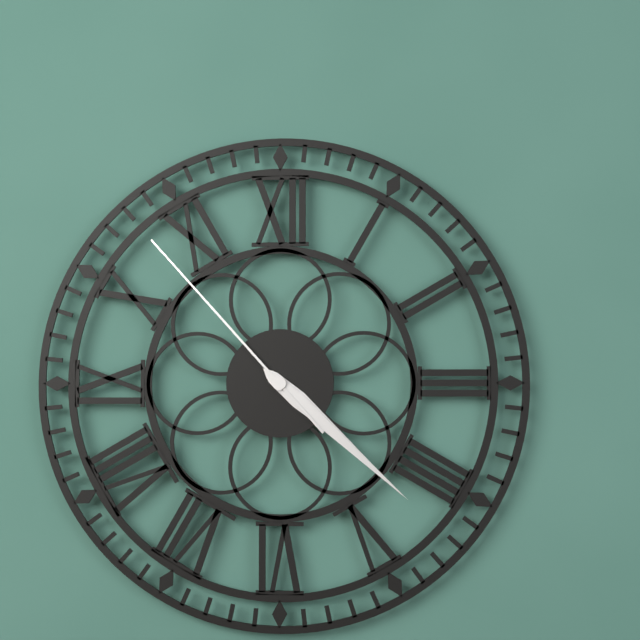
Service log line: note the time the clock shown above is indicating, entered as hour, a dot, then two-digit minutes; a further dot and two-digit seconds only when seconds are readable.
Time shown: 4.22.53
